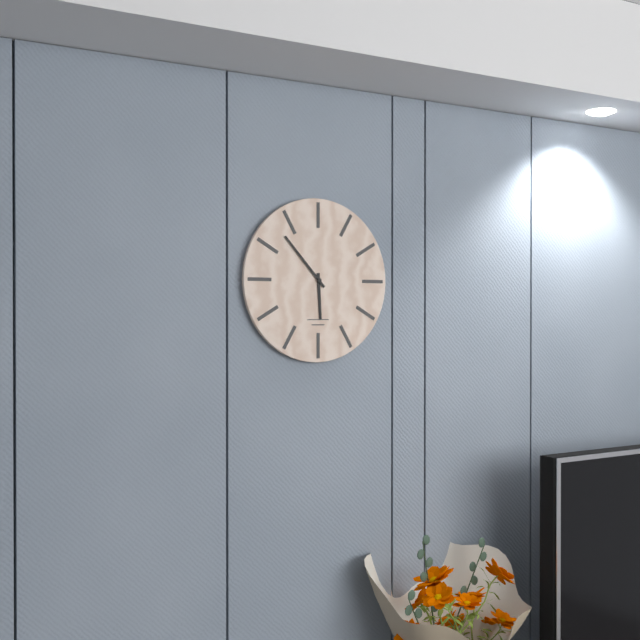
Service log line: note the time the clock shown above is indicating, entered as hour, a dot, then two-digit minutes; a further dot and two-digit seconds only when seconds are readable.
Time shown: 5.53
